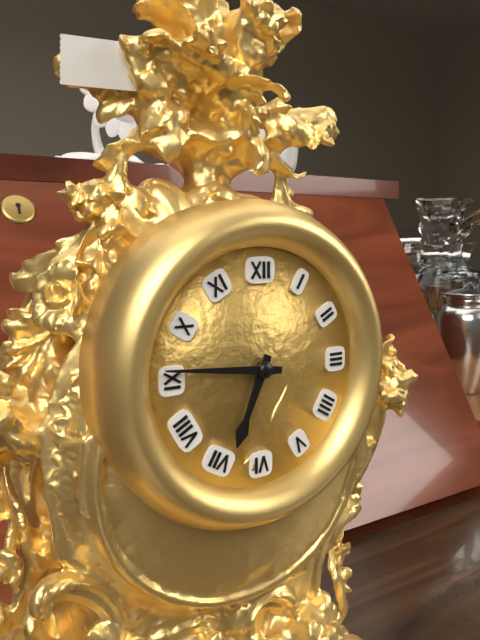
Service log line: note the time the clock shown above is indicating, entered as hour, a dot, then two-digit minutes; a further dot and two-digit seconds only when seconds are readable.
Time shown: 6.46
